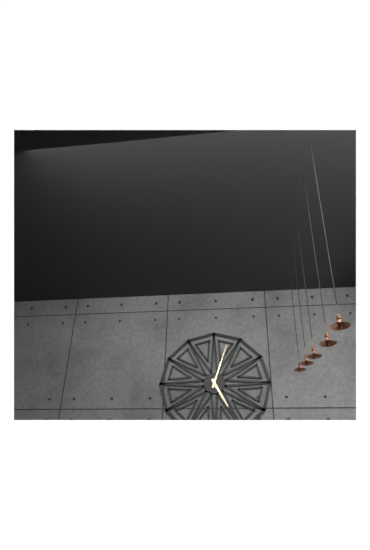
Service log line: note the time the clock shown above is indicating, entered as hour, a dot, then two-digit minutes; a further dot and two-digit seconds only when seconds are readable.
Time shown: 5.03
